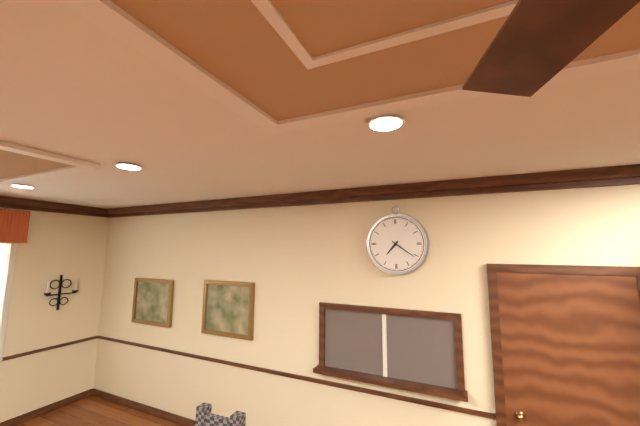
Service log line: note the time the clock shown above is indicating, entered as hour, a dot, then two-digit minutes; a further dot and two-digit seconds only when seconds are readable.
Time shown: 7.21
